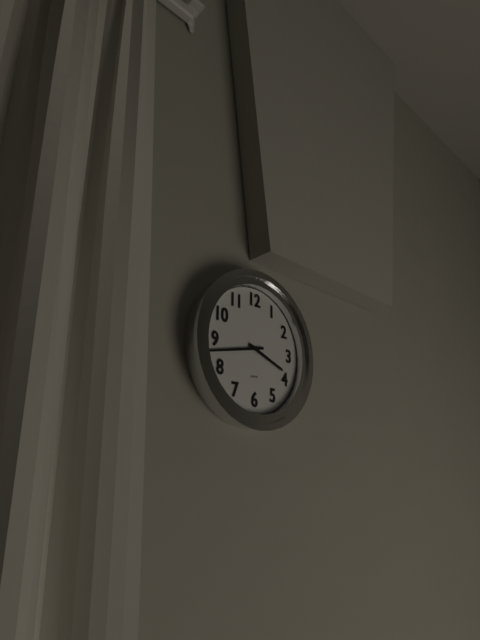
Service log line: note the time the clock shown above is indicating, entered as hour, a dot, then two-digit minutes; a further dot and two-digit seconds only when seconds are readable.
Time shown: 3.43
